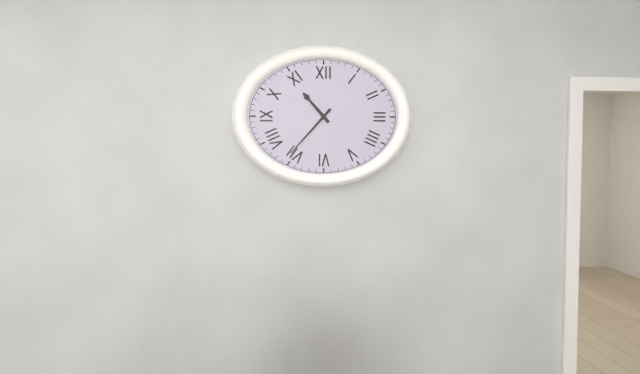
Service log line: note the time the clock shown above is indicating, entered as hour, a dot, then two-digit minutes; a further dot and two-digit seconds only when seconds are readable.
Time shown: 10.37
